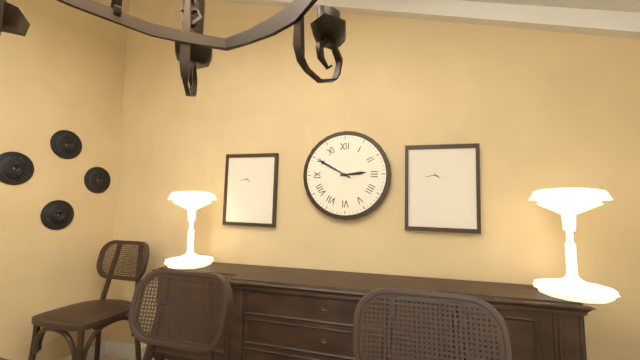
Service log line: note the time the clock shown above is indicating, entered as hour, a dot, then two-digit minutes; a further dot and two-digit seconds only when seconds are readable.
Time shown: 2.50
